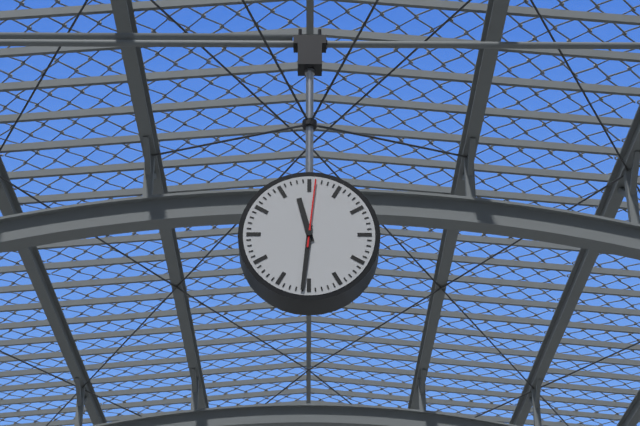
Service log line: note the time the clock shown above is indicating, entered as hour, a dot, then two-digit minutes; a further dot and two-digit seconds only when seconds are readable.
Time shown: 11.31.01
